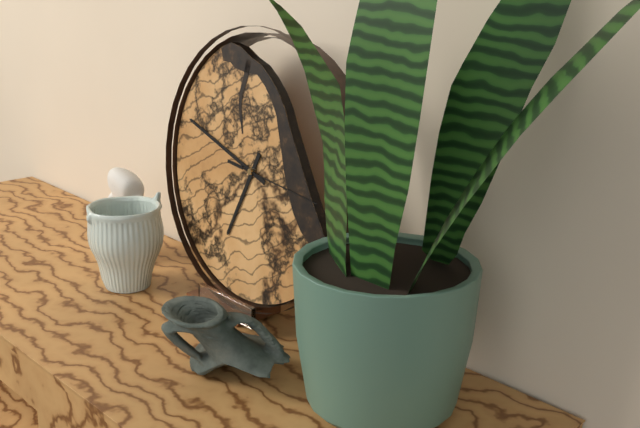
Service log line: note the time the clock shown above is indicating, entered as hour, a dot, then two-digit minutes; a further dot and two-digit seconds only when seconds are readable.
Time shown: 6.48.16
